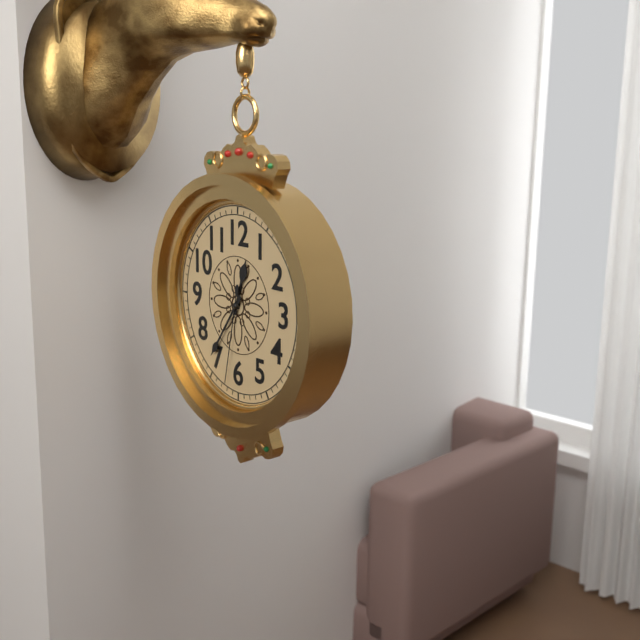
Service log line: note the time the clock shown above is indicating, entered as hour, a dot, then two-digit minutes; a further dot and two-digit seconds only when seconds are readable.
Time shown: 12.36.32
